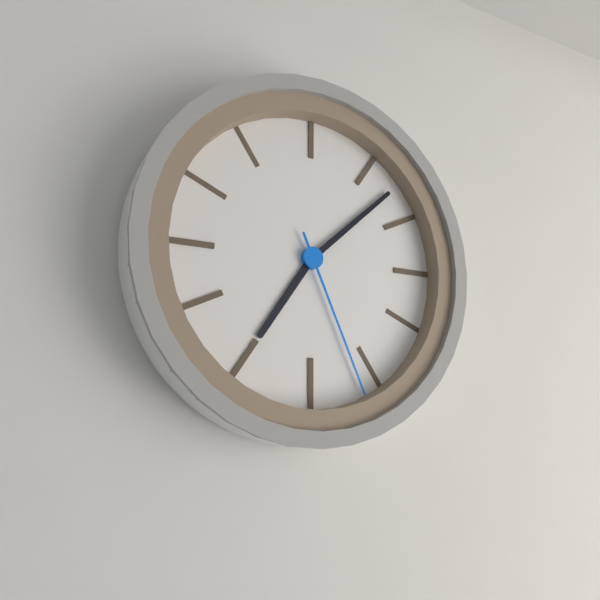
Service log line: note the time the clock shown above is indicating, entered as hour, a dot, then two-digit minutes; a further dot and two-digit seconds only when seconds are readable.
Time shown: 7.08.26
